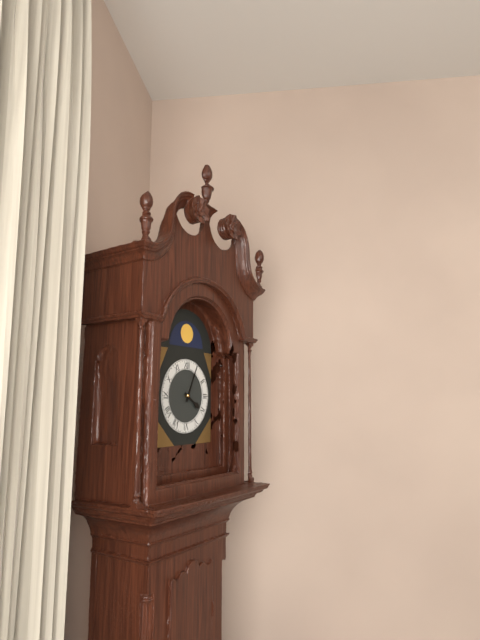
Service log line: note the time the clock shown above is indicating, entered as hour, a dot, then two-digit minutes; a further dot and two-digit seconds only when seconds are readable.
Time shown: 4.04
